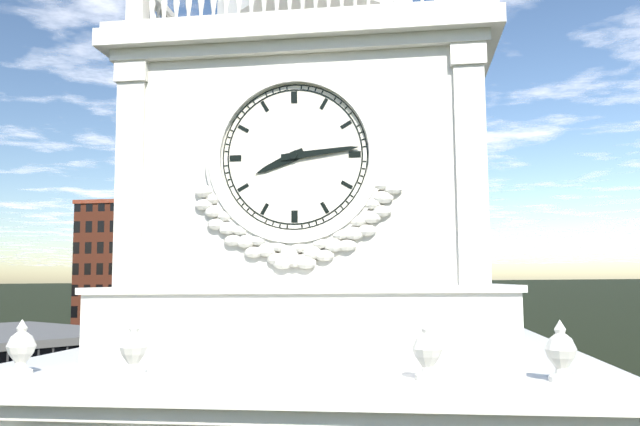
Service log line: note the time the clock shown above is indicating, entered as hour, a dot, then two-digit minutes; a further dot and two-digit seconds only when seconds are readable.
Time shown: 8.14
